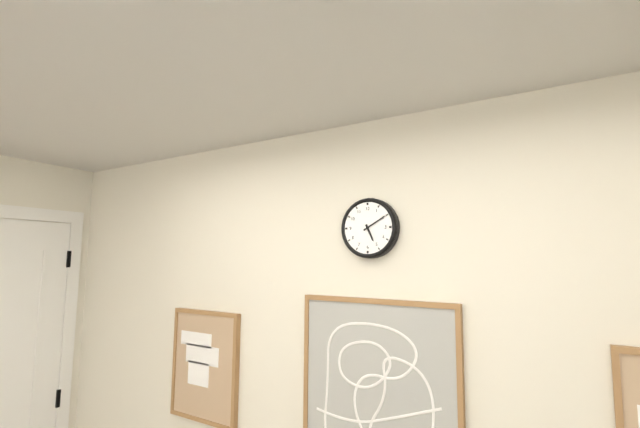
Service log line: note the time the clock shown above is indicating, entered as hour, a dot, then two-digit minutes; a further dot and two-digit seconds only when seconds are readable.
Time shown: 5.10
